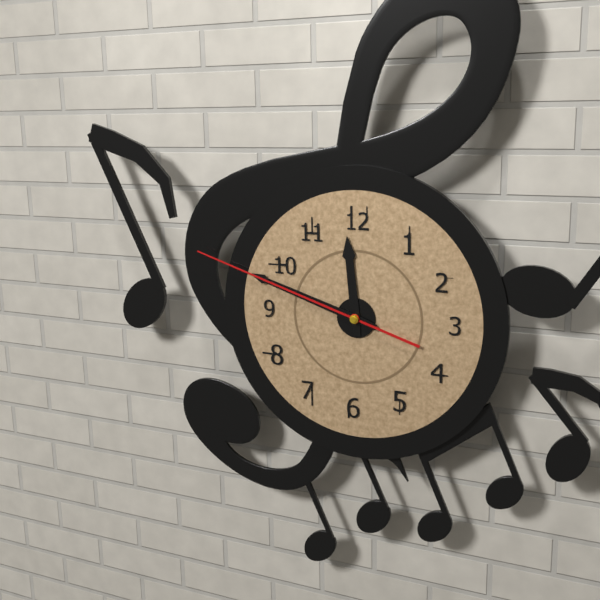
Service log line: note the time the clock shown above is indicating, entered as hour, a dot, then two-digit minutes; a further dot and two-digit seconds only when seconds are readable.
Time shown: 11.48.48
